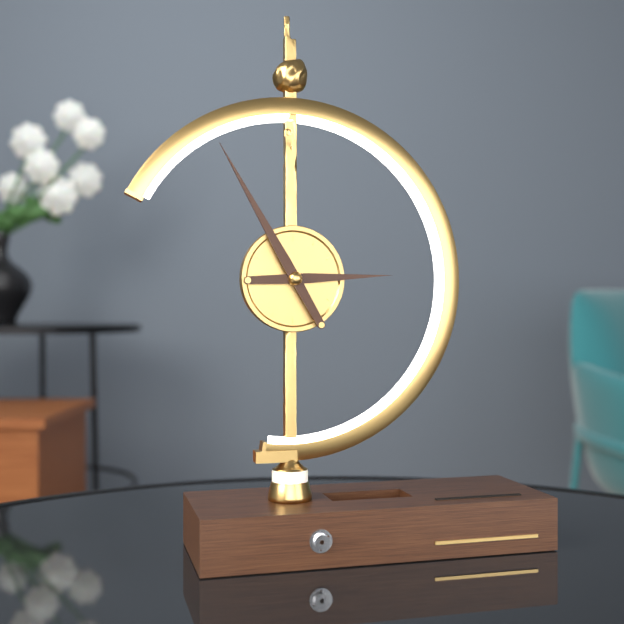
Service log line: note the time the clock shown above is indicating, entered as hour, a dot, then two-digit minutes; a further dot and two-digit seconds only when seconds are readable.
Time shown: 2.55
